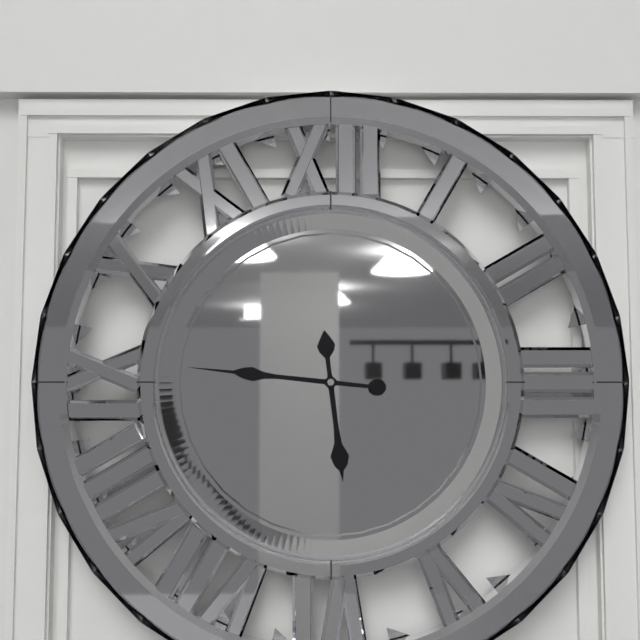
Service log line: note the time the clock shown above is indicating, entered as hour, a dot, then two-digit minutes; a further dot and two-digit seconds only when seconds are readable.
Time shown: 5.46
